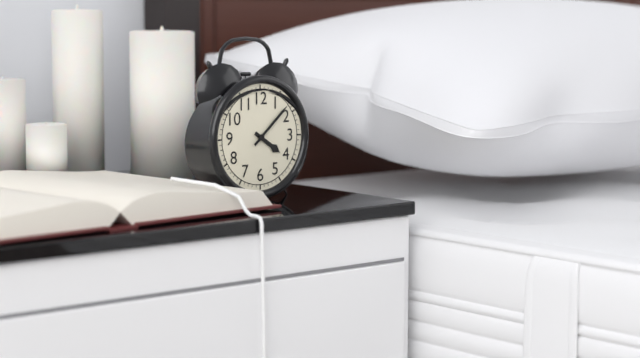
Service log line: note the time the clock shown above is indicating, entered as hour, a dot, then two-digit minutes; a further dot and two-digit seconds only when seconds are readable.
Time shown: 4.08
